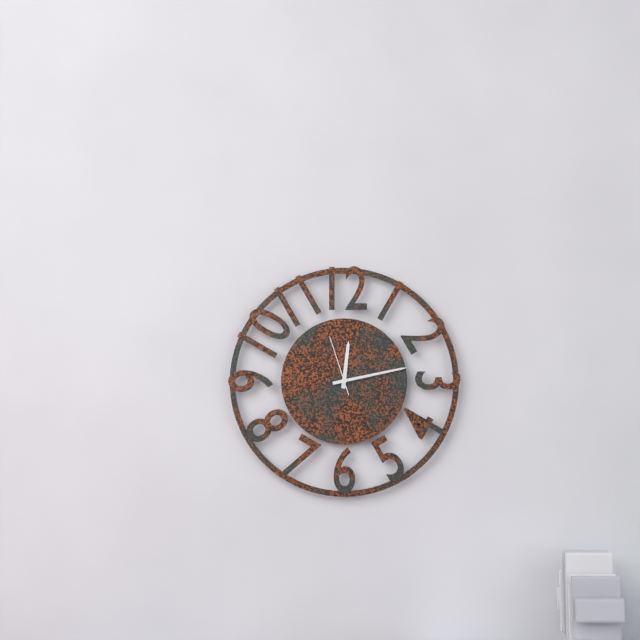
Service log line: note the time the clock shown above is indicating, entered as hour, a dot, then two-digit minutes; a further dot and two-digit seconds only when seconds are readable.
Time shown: 12.13.57
